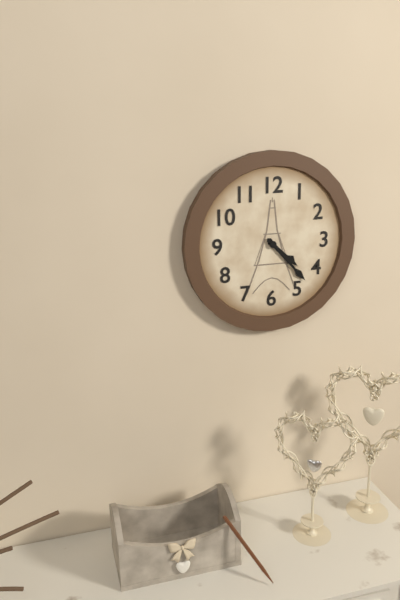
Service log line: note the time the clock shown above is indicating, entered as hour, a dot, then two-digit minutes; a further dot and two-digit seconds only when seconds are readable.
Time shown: 4.23
